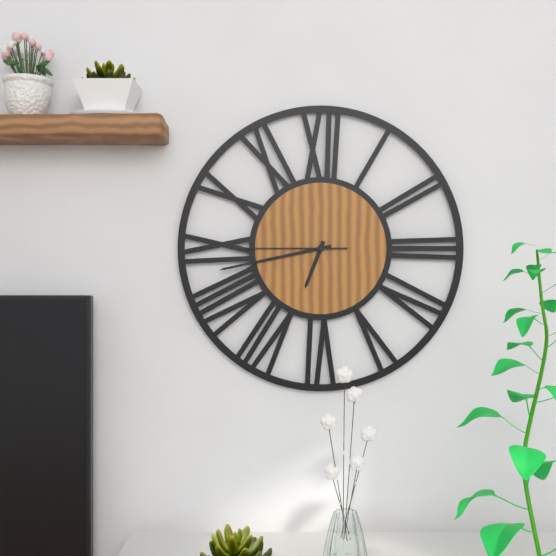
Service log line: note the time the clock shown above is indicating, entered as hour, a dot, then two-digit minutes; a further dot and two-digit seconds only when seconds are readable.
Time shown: 6.43.45
